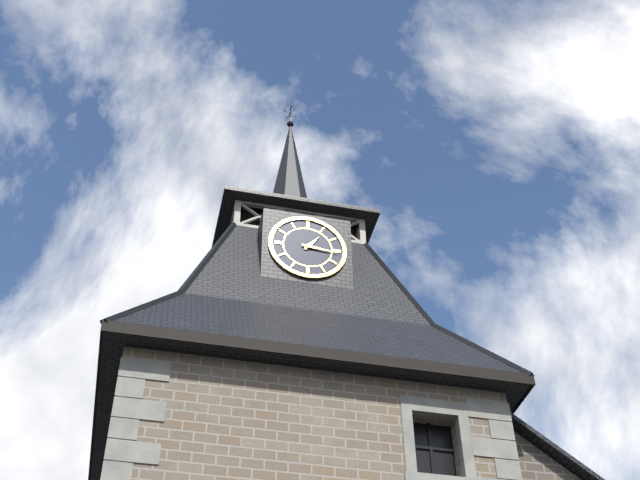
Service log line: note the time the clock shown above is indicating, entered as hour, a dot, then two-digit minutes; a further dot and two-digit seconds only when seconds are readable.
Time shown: 1.16
